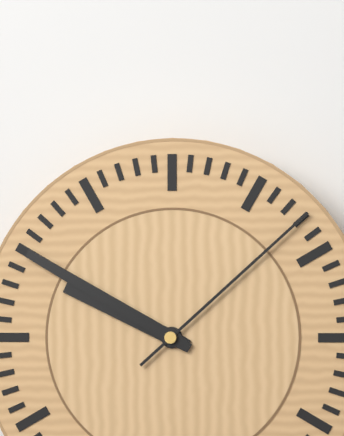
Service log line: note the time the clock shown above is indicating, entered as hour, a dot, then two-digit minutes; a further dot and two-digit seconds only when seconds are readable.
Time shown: 9.50.08
